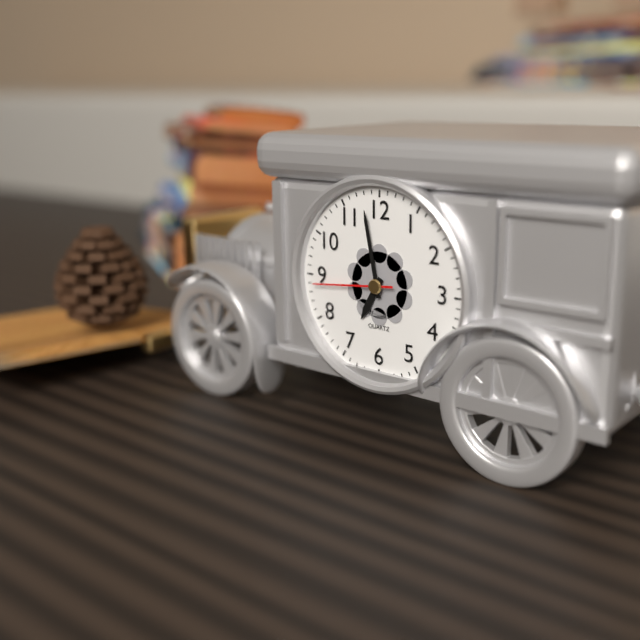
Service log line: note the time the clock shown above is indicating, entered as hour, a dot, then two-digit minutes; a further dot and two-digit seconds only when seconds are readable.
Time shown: 6.58.44
